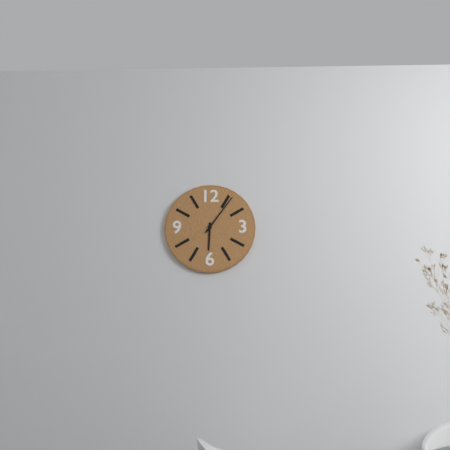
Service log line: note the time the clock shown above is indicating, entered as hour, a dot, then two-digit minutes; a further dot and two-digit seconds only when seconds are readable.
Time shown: 6.06
